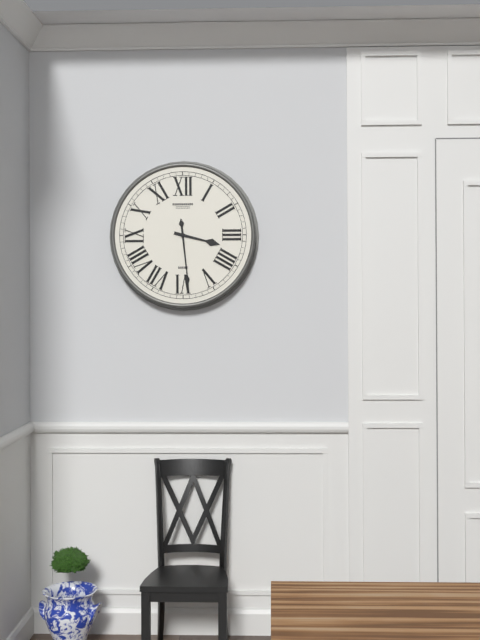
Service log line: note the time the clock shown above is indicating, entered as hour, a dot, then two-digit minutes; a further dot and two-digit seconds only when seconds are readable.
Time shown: 3.29
